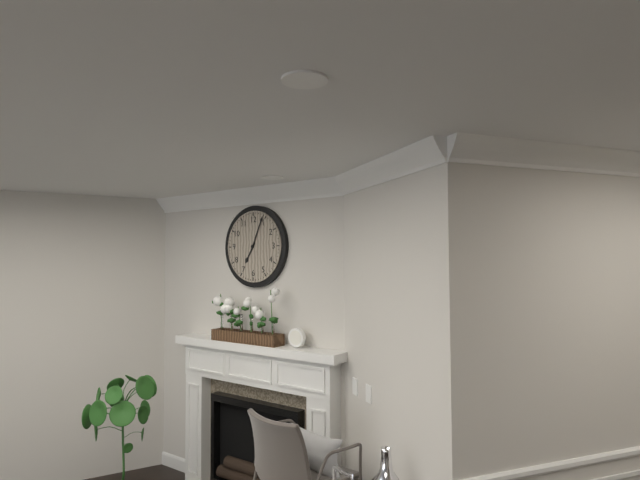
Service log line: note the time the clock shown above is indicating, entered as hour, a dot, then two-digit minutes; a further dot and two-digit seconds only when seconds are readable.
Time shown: 7.04
